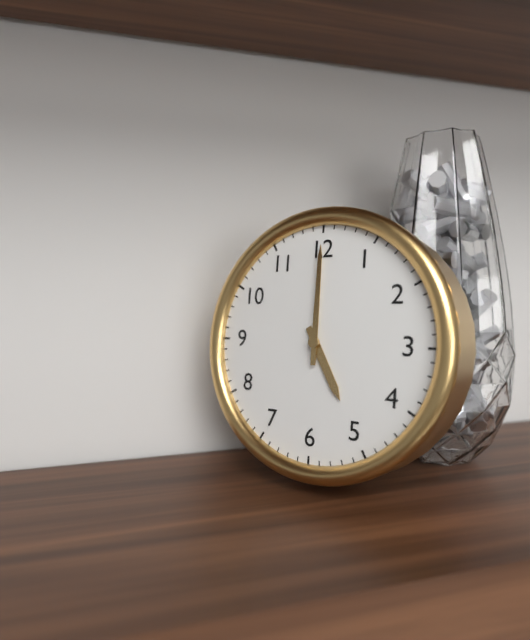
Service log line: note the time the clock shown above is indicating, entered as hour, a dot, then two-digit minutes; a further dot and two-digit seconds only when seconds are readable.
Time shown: 5.00
